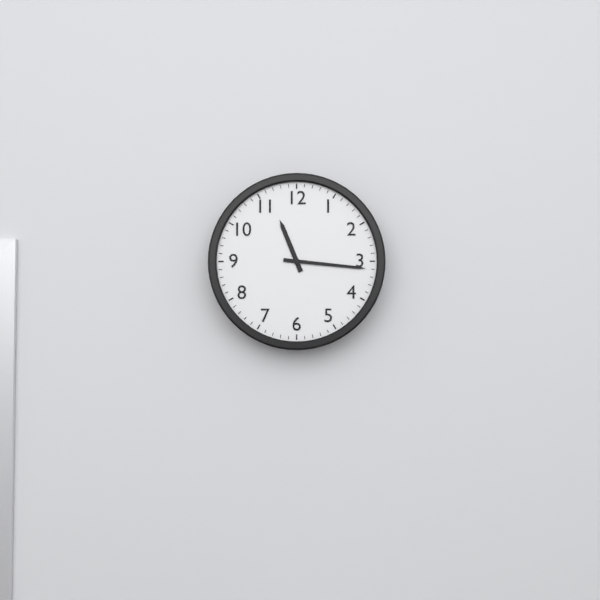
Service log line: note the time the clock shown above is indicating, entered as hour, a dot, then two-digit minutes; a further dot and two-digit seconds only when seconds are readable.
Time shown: 11.16
